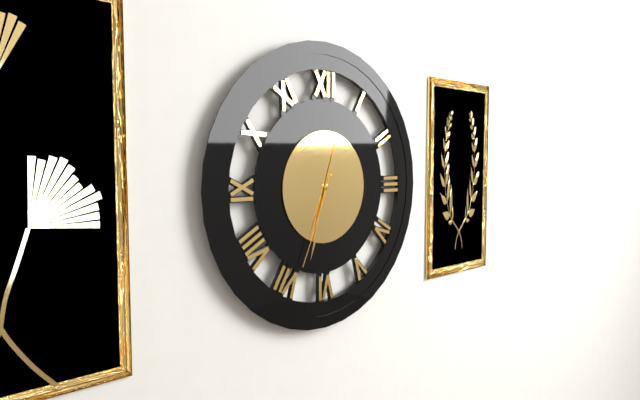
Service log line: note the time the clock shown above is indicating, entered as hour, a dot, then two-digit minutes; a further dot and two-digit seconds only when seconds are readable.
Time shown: 12.33.34
